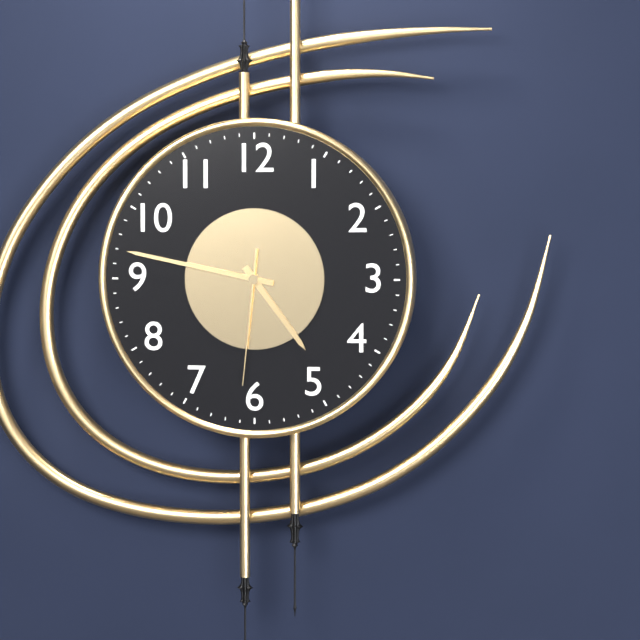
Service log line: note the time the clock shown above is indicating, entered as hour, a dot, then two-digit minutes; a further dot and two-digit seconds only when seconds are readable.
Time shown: 4.47.31
